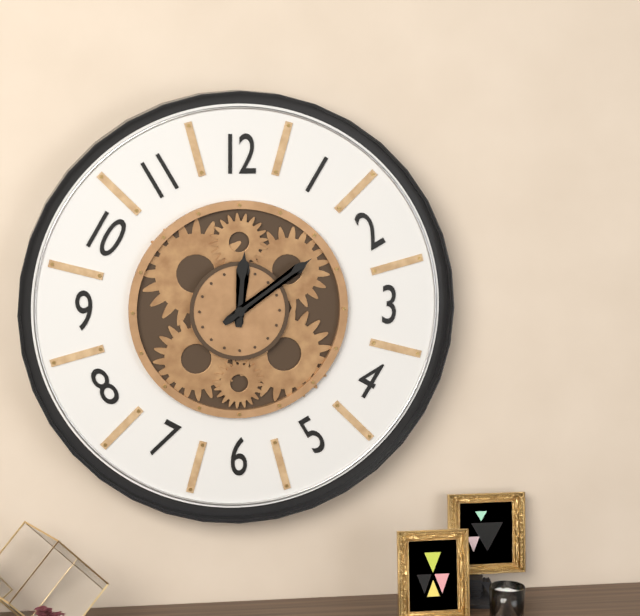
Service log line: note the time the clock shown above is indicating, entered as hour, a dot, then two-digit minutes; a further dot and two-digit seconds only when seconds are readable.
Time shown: 12.09
